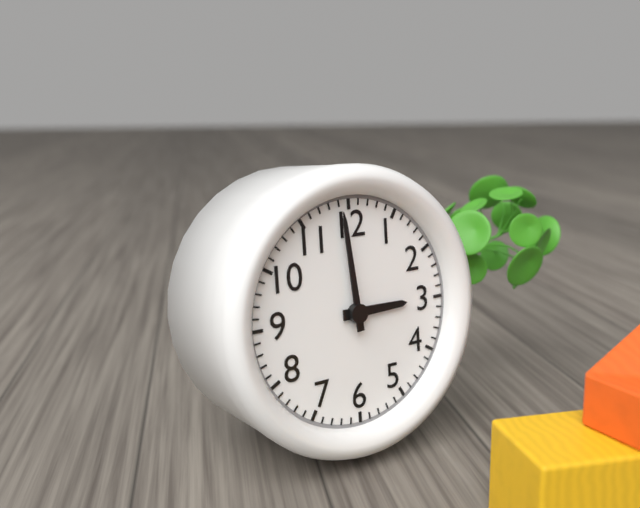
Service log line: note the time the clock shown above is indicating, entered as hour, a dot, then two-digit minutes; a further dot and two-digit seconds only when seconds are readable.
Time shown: 2.59
